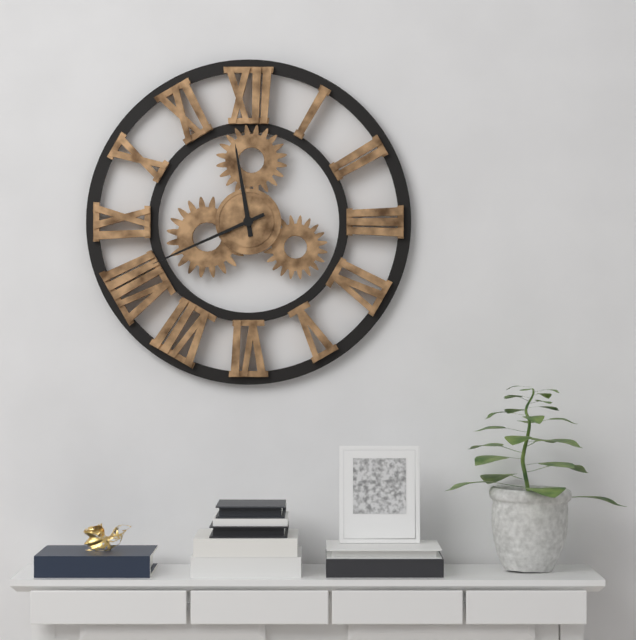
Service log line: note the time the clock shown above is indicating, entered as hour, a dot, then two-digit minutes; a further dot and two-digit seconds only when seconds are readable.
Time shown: 11.41
